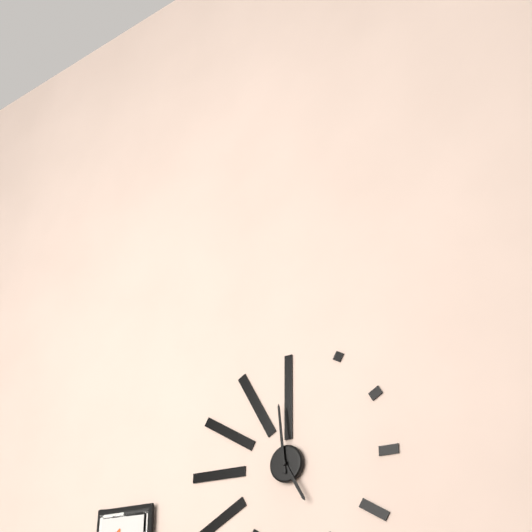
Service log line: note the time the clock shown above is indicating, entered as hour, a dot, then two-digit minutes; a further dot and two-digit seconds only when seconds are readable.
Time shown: 4.59
